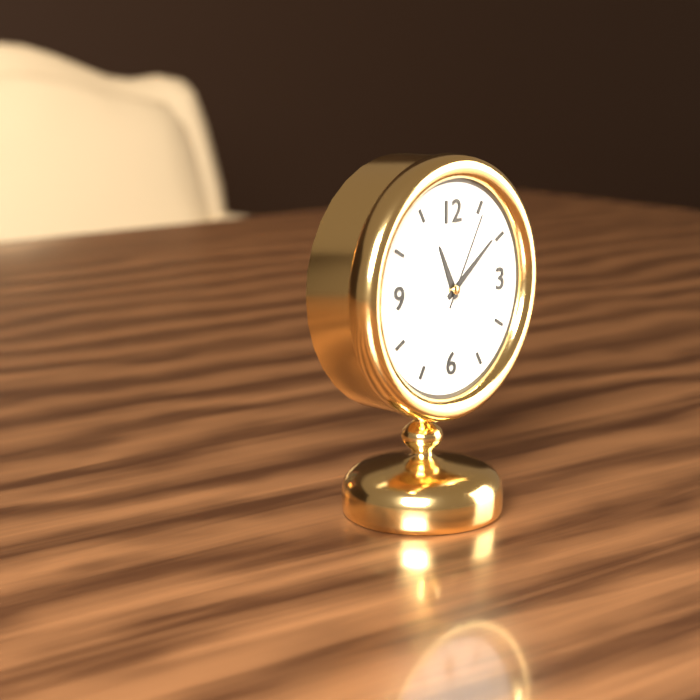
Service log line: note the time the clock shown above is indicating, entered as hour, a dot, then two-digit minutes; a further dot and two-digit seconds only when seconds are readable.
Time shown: 11.09.05
